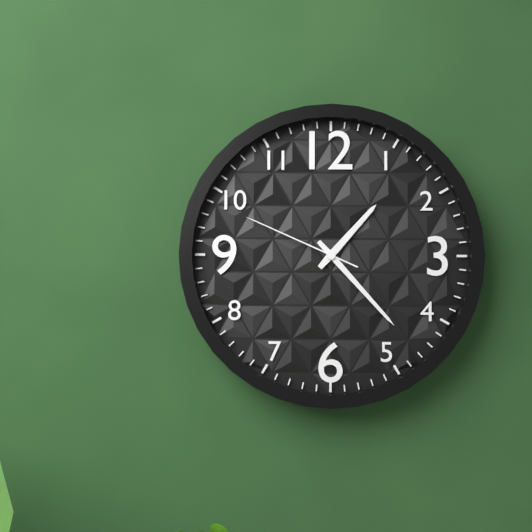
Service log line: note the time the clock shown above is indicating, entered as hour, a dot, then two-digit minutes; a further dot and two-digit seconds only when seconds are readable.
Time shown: 1.23.49
